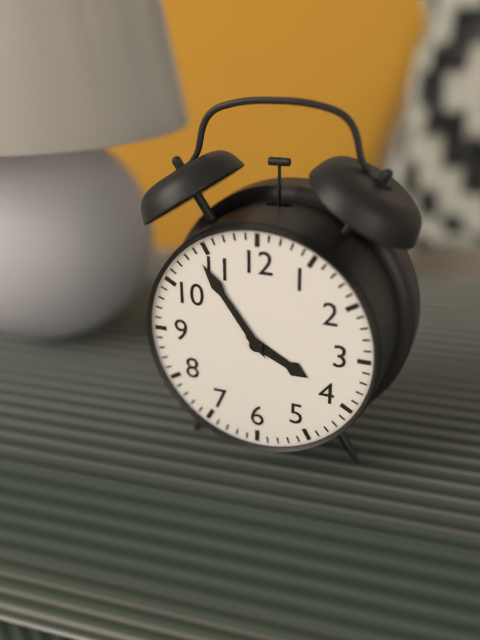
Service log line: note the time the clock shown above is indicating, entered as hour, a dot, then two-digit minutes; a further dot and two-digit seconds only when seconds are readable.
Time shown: 3.54
